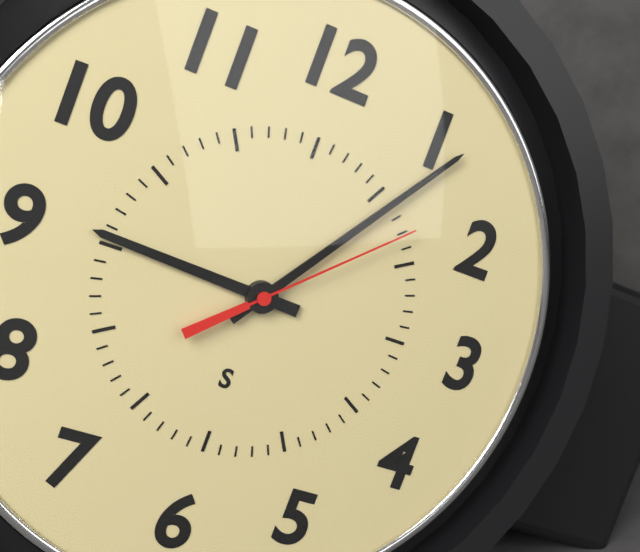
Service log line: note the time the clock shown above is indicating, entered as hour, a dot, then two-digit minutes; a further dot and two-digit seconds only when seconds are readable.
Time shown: 9.06.08
